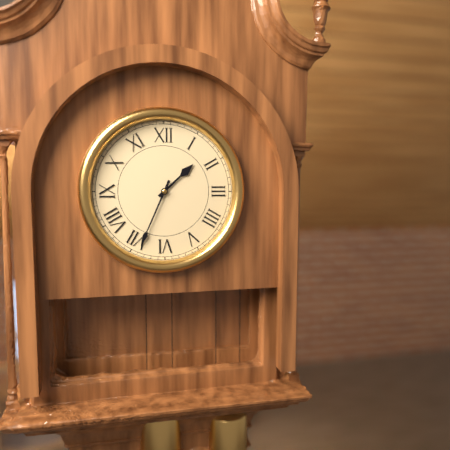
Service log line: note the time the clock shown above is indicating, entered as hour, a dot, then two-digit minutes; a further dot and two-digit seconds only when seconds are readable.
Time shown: 1.34
